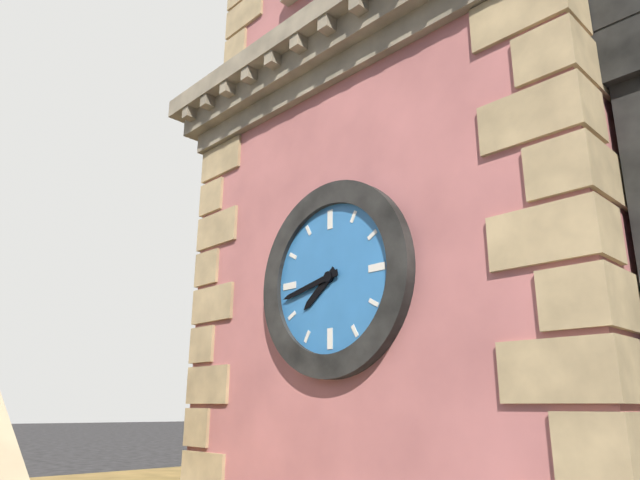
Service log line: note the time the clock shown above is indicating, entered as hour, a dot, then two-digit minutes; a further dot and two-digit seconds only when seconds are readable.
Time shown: 7.43
